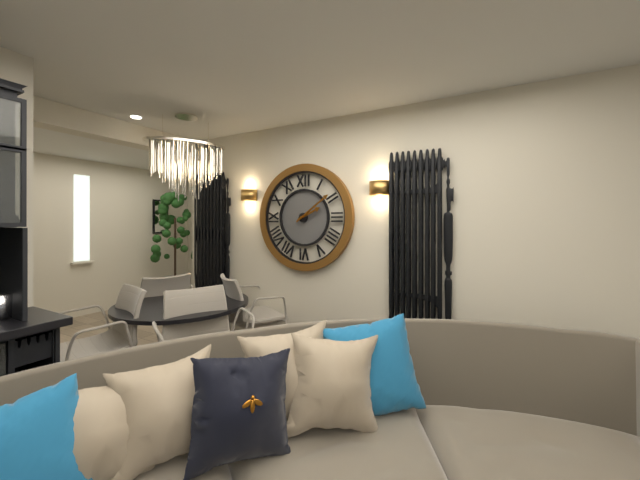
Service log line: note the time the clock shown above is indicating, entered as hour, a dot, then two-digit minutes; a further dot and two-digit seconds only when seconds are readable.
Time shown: 2.09
